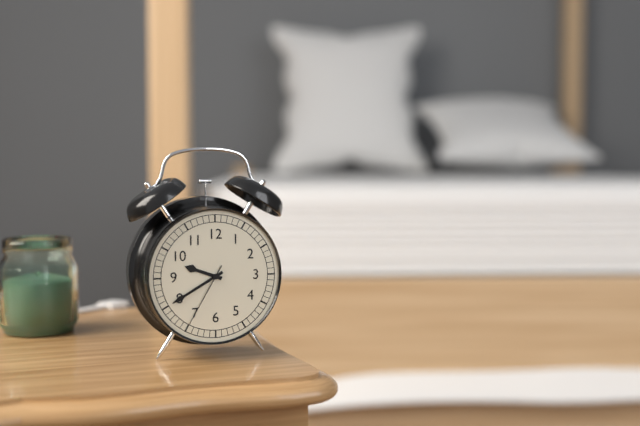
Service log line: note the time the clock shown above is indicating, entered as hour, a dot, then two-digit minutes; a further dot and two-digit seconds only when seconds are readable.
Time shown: 9.40.35
